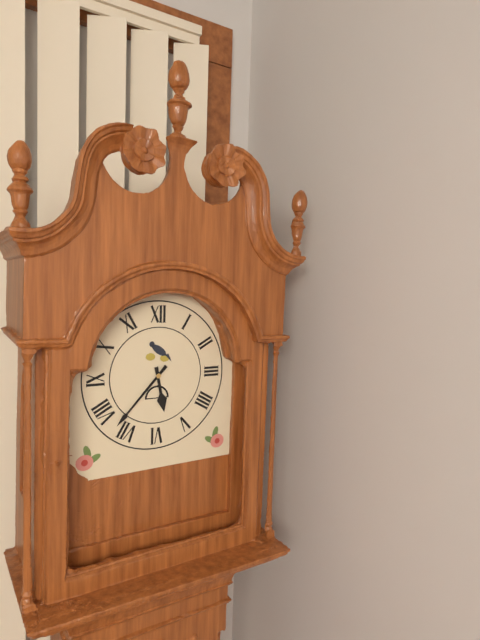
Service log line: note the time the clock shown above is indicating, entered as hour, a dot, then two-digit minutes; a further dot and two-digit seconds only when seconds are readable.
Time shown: 5.37
